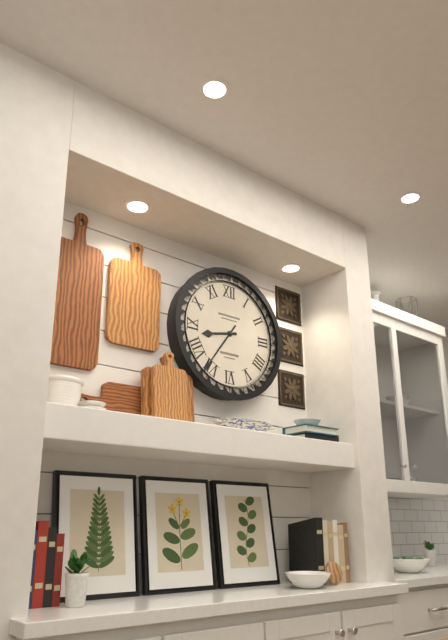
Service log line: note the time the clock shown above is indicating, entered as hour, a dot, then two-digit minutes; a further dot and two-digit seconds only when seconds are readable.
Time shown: 8.36
